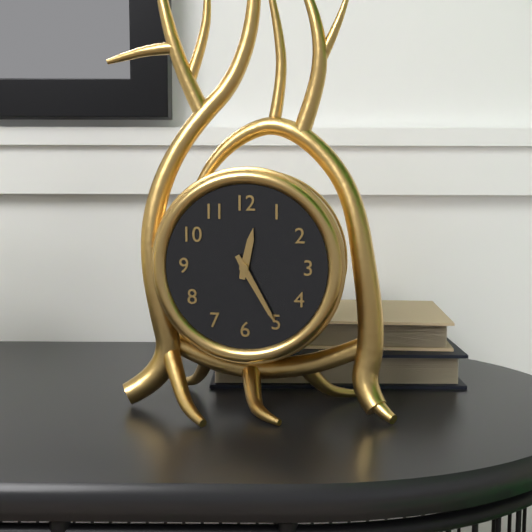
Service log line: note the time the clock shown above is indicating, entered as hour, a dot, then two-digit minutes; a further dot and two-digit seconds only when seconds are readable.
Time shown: 12.25
